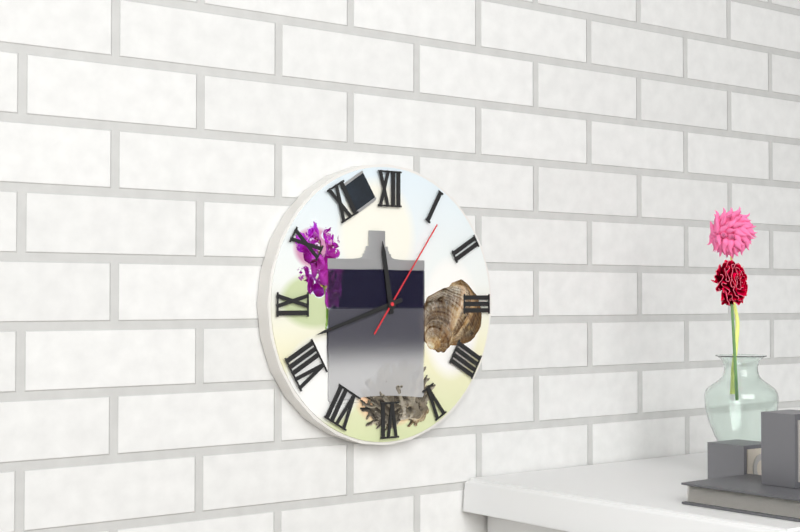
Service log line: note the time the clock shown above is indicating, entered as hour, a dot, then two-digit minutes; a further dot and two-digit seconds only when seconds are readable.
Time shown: 11.42.06
